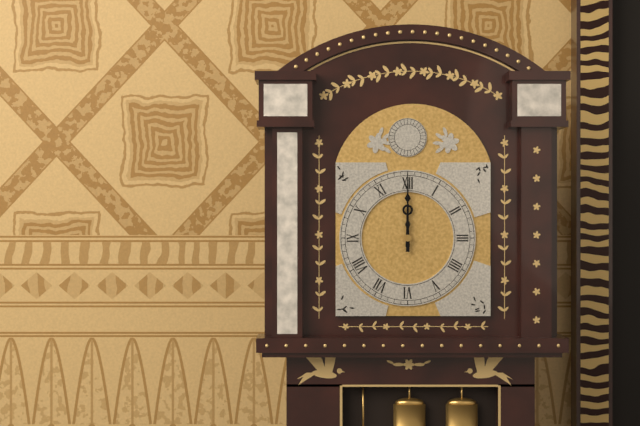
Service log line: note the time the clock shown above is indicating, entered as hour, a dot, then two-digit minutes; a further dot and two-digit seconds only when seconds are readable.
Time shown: 12.00
